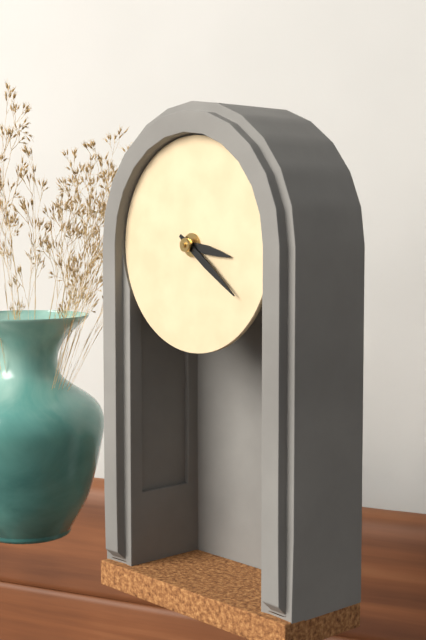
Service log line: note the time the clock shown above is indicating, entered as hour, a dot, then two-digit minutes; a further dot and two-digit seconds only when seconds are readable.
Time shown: 3.21
